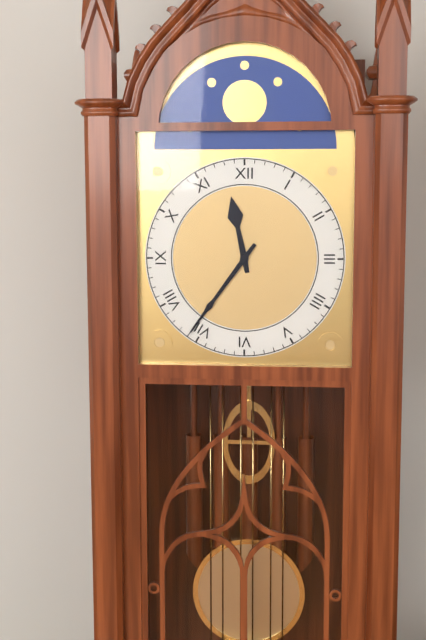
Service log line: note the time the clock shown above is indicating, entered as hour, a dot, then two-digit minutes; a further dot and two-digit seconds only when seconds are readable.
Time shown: 11.36
